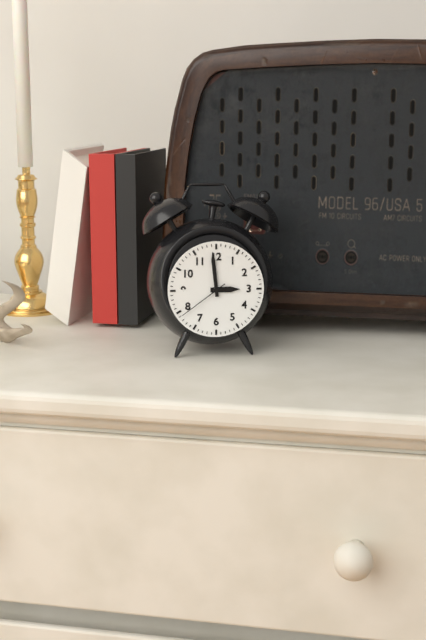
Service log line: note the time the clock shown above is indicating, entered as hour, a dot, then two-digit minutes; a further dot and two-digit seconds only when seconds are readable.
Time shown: 2.59.39
